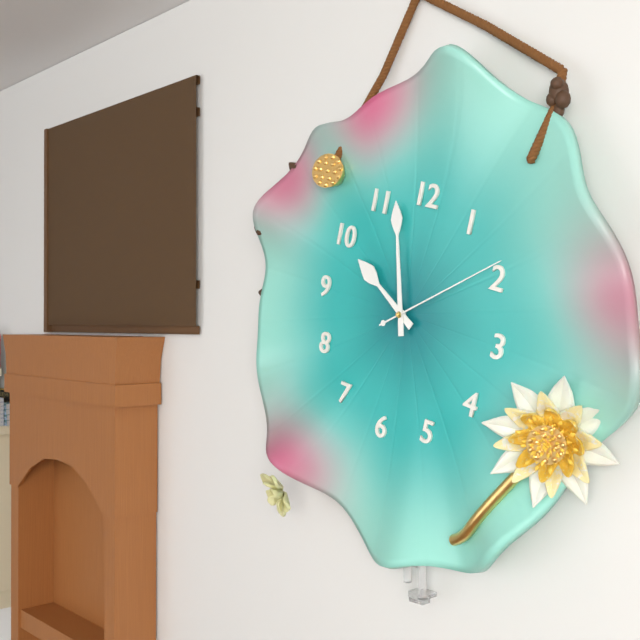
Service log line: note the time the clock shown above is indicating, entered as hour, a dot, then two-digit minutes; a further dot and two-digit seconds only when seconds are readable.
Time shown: 9.57.09
